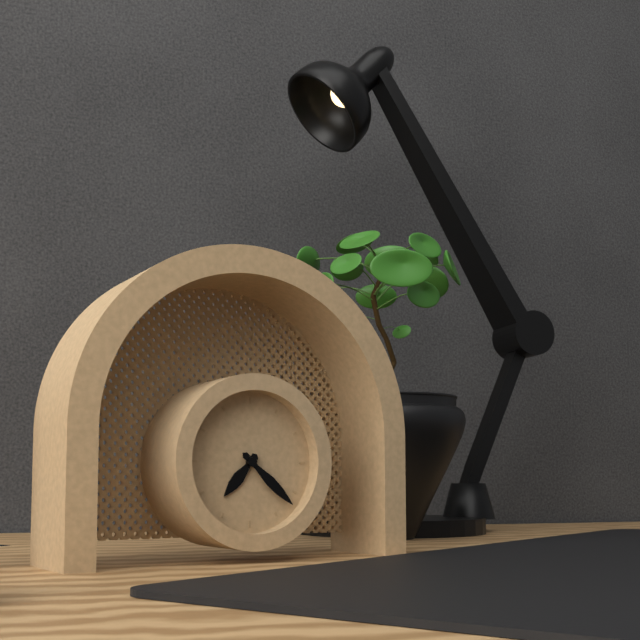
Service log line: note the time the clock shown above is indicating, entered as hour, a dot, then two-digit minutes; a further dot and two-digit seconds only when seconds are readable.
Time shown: 7.22
